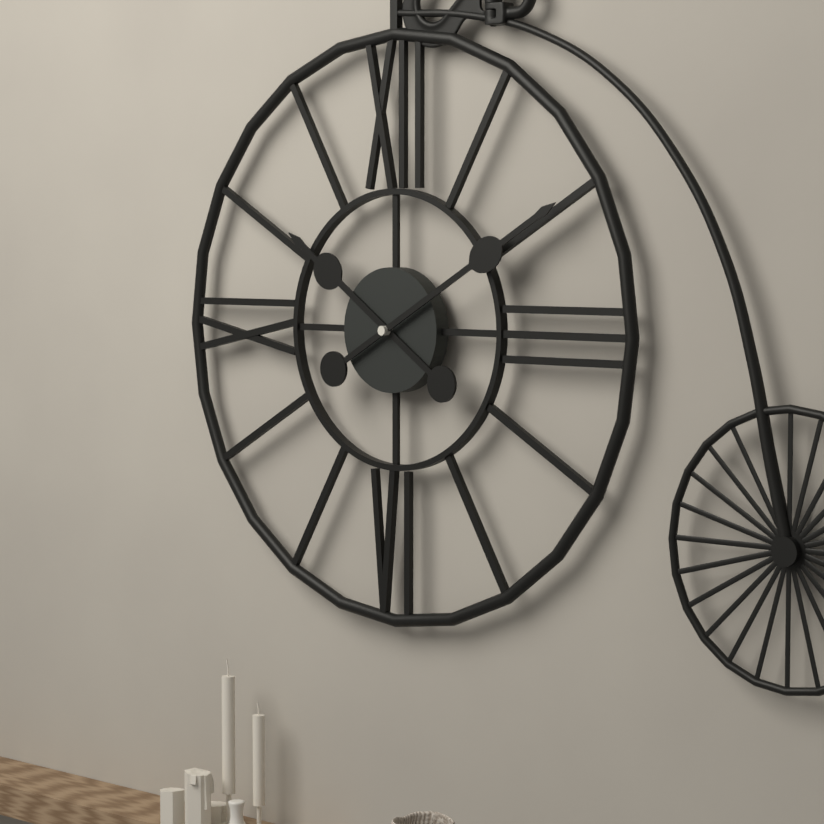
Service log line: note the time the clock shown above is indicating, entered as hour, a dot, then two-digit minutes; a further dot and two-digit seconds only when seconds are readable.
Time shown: 10.10
